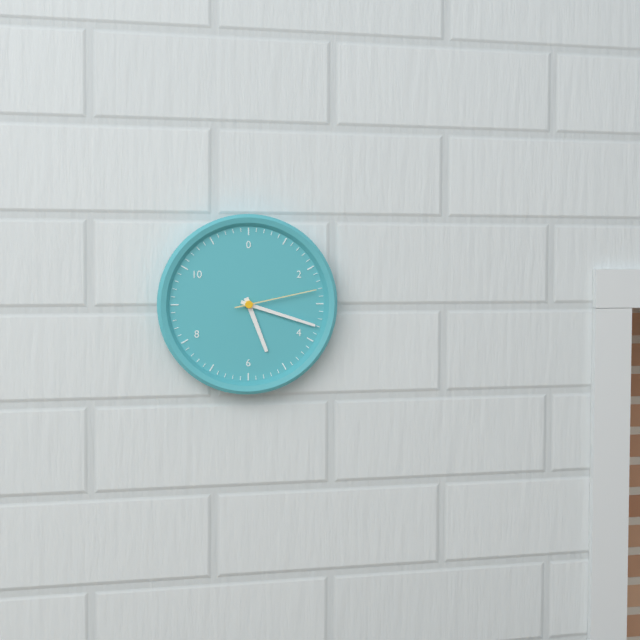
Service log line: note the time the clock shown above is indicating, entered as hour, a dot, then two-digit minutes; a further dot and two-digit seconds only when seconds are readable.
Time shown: 5.18.13
